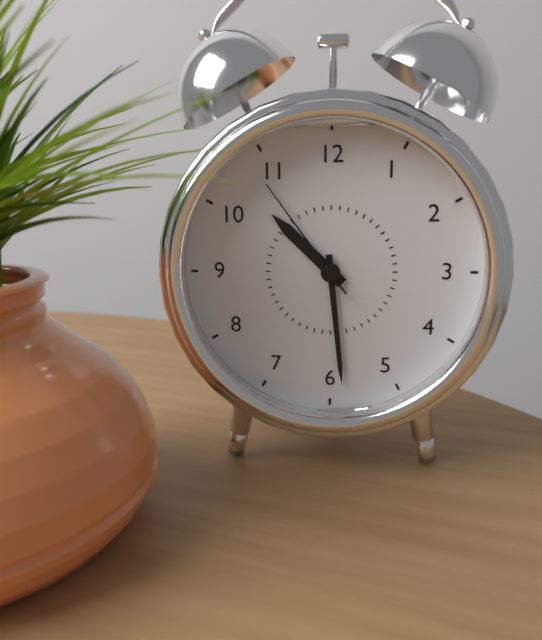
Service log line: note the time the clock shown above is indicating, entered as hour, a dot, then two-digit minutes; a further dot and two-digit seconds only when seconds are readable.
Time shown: 10.29.54
